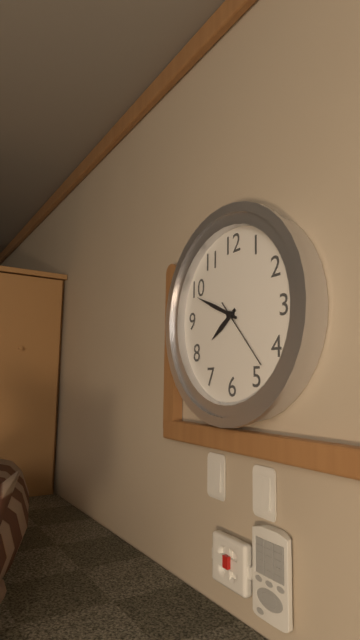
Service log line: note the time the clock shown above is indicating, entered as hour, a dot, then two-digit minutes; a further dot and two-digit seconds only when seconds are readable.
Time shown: 7.49.23
